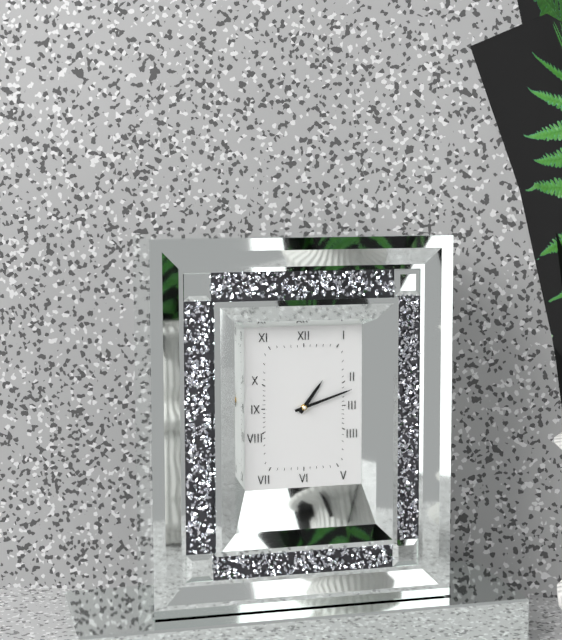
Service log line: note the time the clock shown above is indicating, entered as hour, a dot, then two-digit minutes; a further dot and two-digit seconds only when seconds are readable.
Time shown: 1.12
